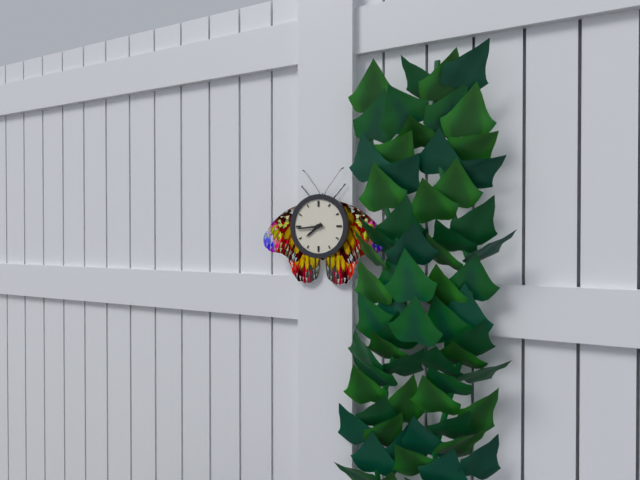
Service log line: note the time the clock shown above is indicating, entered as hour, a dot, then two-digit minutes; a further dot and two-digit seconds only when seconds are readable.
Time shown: 7.44
